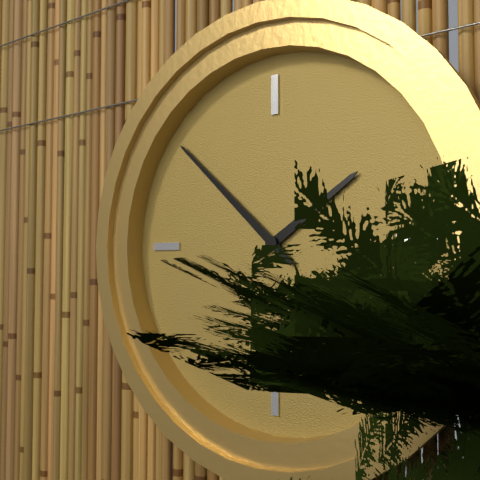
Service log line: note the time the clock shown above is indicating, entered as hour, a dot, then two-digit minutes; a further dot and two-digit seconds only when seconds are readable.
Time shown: 1.52
